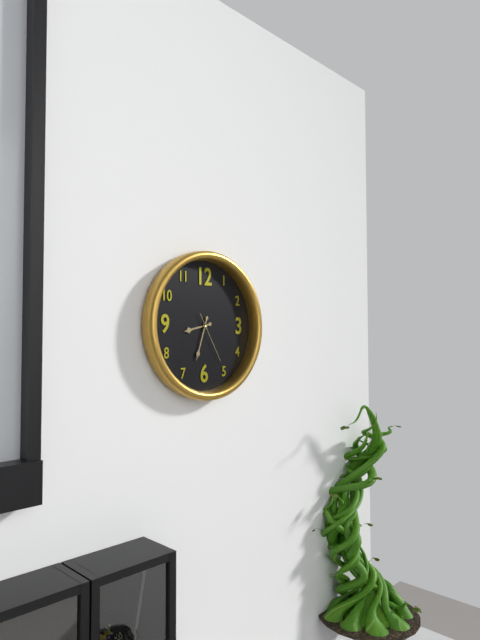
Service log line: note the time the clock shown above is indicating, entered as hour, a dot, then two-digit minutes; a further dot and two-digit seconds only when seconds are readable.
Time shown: 8.33
